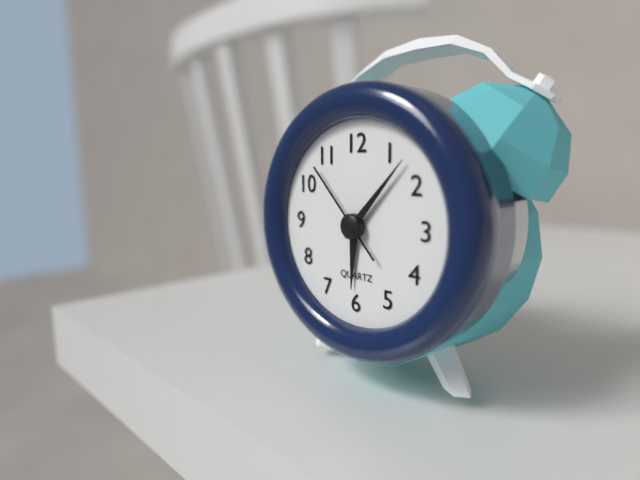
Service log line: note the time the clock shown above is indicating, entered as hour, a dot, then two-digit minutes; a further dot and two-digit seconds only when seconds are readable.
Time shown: 6.07.53
